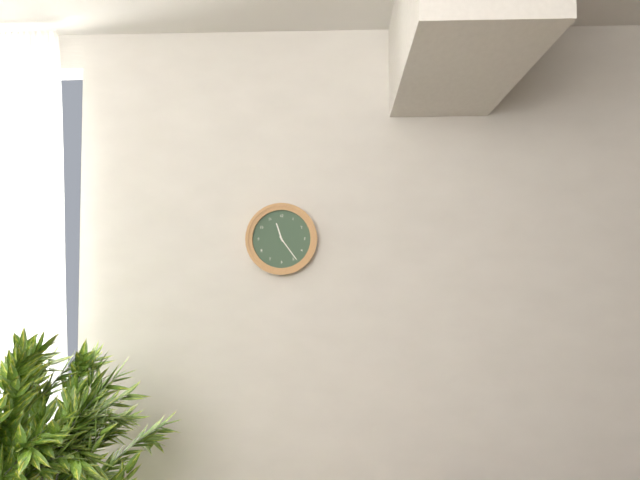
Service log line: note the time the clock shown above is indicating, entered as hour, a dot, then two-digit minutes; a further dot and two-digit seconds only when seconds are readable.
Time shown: 11.24
